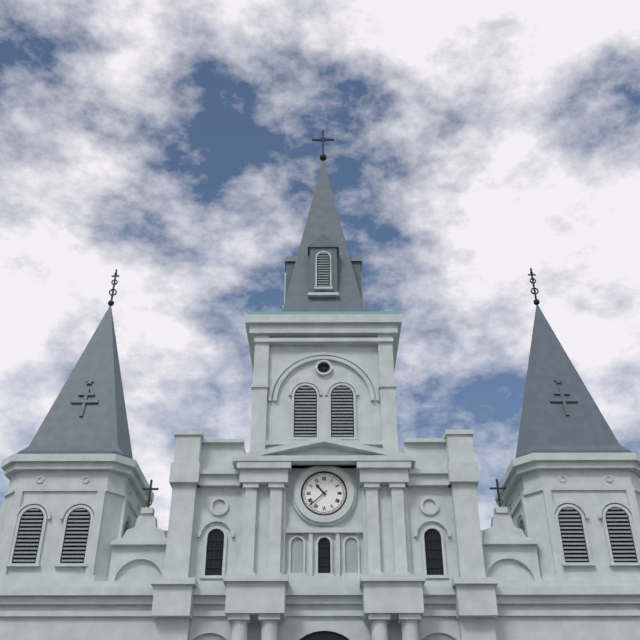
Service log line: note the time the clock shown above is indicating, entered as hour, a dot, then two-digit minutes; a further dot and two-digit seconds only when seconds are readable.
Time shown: 10.38
